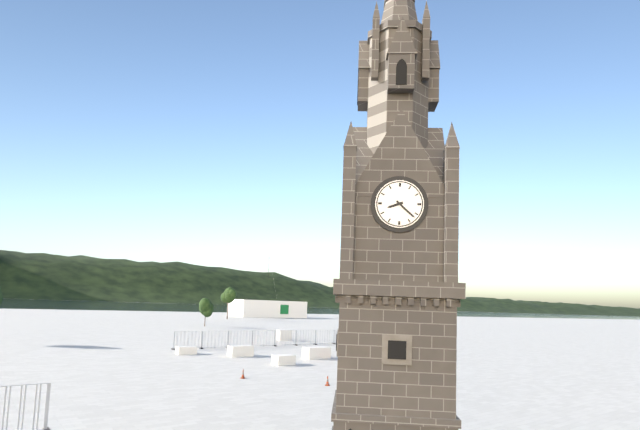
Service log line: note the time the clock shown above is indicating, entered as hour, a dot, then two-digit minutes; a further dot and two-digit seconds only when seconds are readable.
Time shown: 8.22
